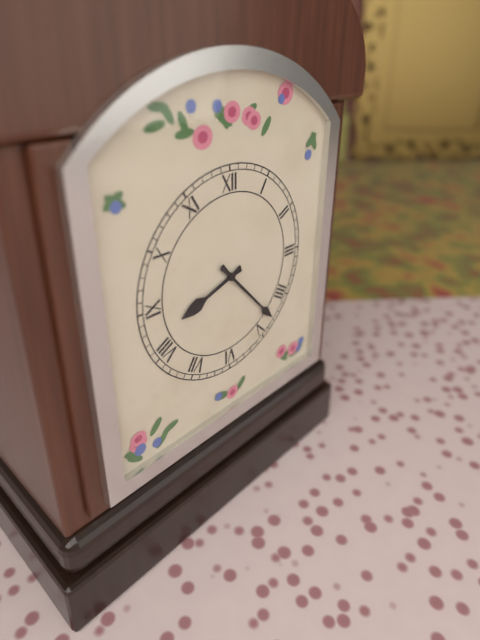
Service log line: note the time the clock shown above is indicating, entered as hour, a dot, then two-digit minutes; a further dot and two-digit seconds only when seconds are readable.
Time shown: 8.23
